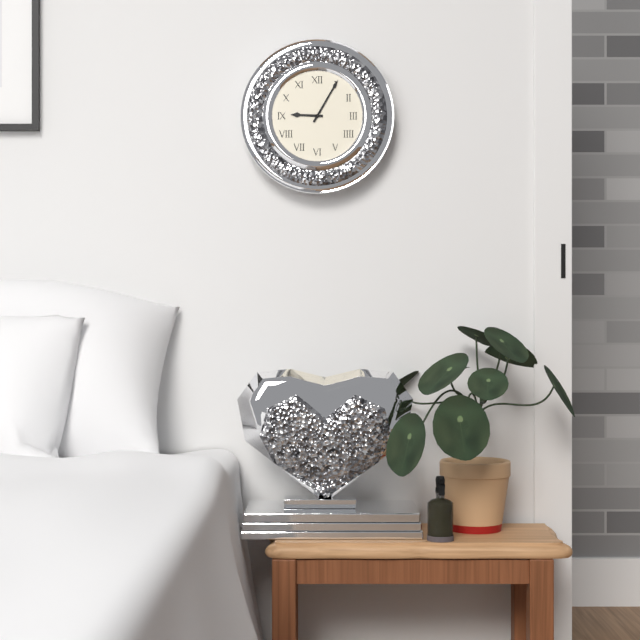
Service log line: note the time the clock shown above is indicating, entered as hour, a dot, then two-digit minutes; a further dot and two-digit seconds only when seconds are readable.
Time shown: 9.05
